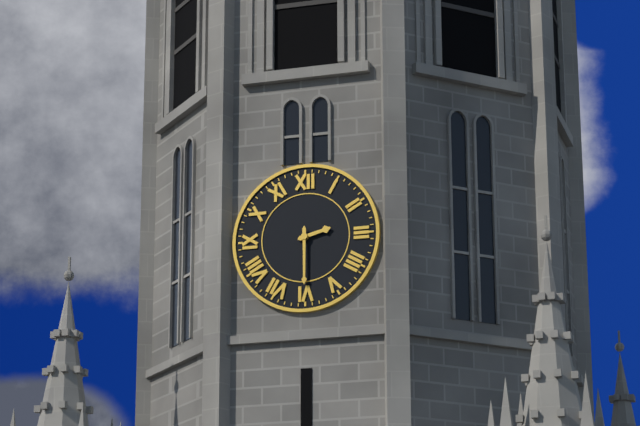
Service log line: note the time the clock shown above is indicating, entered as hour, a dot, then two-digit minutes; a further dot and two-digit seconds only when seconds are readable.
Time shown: 2.30
